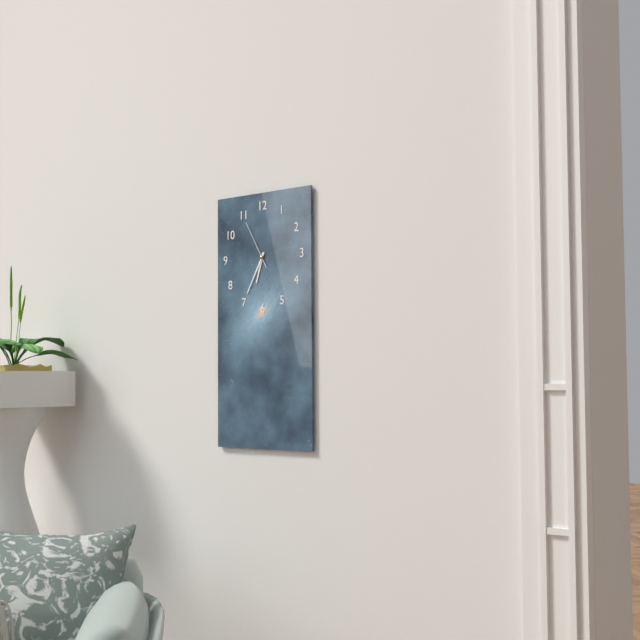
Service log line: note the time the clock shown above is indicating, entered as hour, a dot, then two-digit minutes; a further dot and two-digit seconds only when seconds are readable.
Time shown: 6.35
